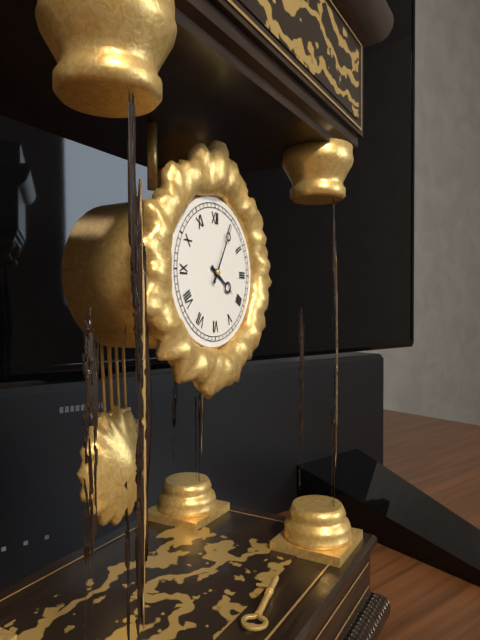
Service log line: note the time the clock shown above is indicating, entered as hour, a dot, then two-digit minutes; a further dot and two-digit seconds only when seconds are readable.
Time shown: 4.05
